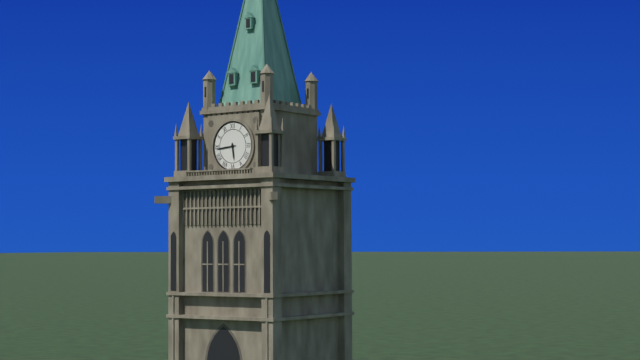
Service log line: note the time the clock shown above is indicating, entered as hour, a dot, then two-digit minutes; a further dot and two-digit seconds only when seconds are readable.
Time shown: 5.44
